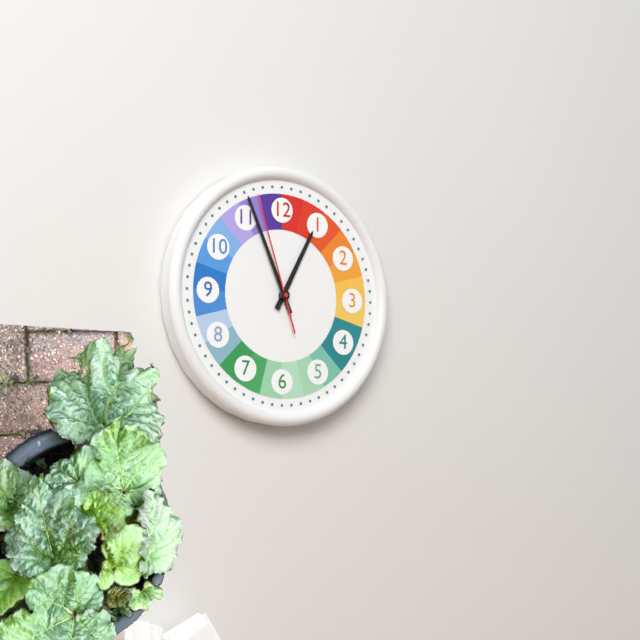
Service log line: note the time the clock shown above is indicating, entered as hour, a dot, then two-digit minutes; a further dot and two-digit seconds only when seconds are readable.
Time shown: 12.56.57
